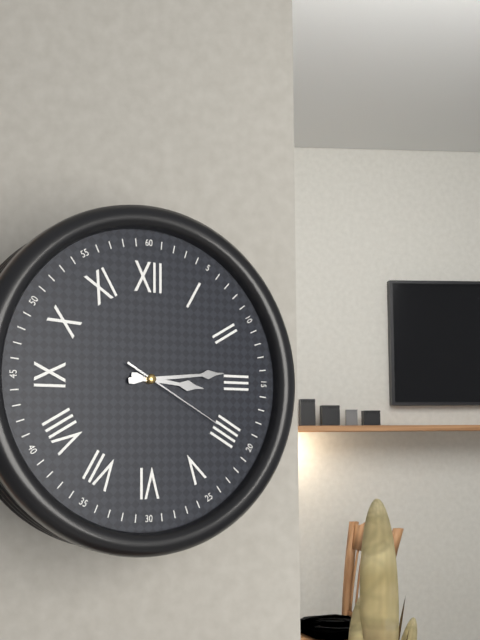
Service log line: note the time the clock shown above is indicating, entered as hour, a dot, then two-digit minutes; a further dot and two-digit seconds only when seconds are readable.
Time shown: 3.14.20
